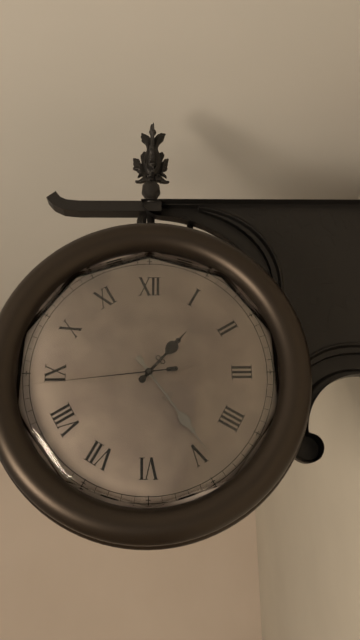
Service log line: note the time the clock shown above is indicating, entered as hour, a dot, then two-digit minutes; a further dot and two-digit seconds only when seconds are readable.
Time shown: 1.24.44
